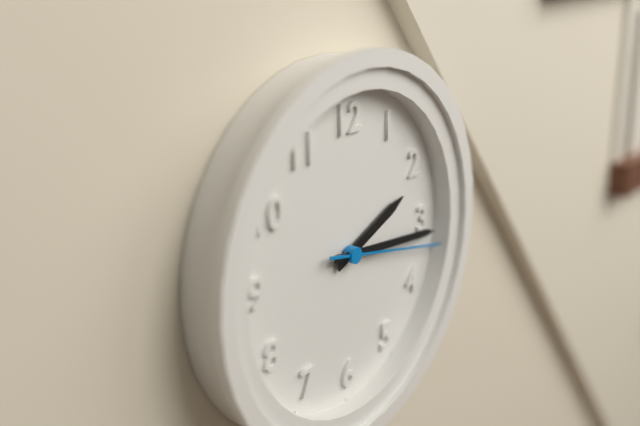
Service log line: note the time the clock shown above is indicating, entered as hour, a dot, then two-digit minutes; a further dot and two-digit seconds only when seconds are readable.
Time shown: 2.16.17
